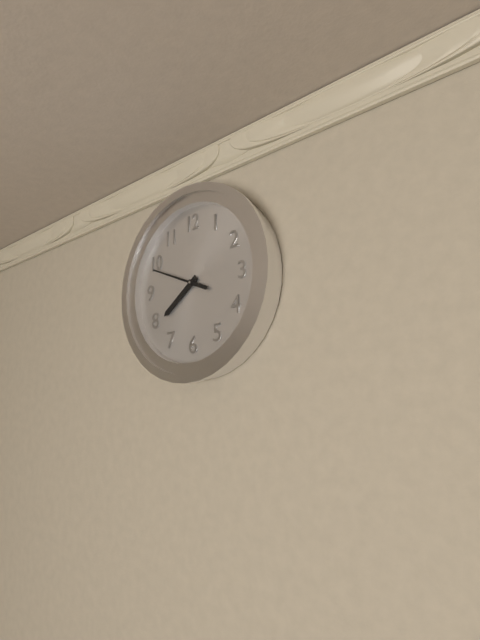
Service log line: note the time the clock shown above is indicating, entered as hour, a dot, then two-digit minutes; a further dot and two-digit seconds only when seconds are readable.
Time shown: 7.49
